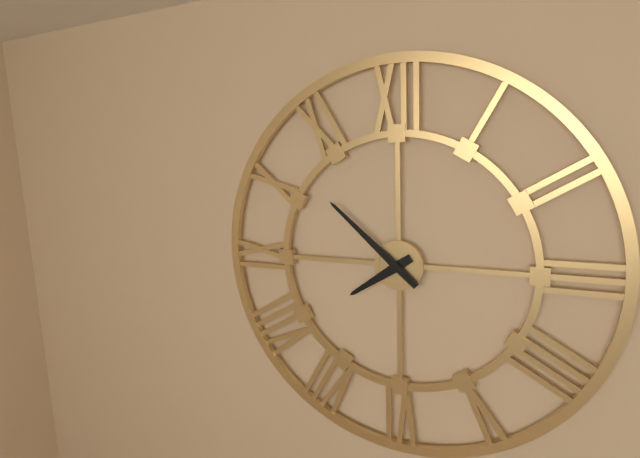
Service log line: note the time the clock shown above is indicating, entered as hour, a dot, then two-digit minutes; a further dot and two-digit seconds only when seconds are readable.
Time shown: 7.52
